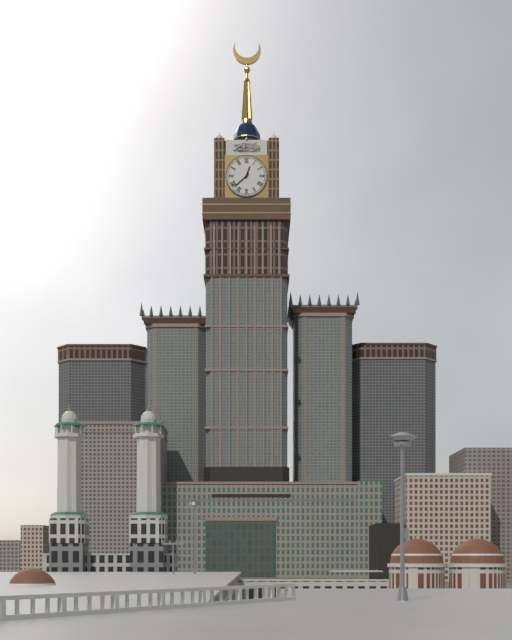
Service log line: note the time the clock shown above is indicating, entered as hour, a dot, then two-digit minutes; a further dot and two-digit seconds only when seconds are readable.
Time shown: 12.38
